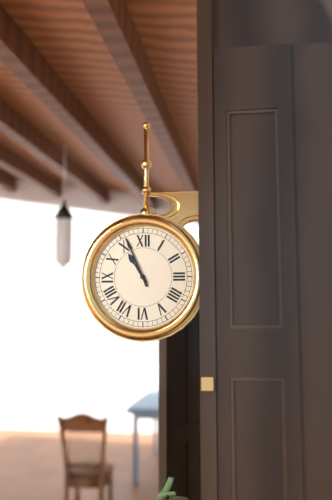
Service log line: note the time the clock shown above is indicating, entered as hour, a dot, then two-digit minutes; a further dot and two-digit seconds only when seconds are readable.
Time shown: 10.56
